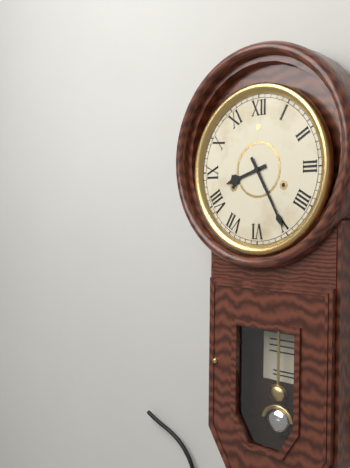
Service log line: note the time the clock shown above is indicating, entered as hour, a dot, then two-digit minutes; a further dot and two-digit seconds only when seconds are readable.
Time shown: 8.25
